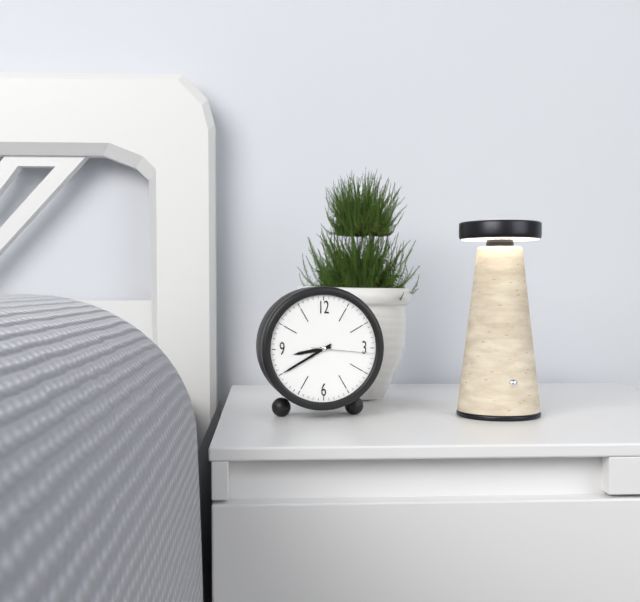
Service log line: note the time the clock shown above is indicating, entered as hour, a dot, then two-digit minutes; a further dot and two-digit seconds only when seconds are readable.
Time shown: 8.40.16
